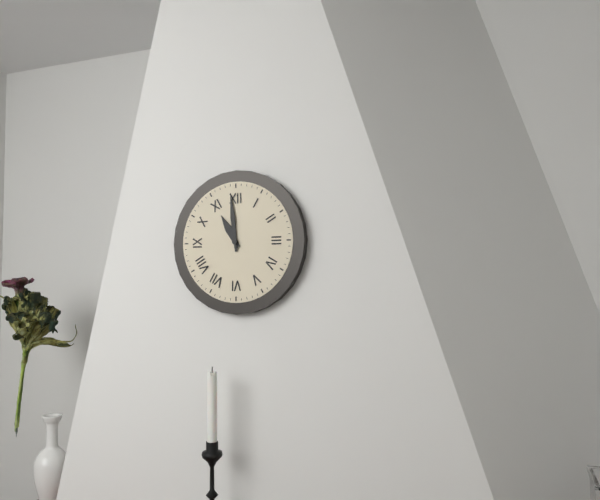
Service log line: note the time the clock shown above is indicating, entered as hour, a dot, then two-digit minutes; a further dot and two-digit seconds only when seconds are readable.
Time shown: 10.59
